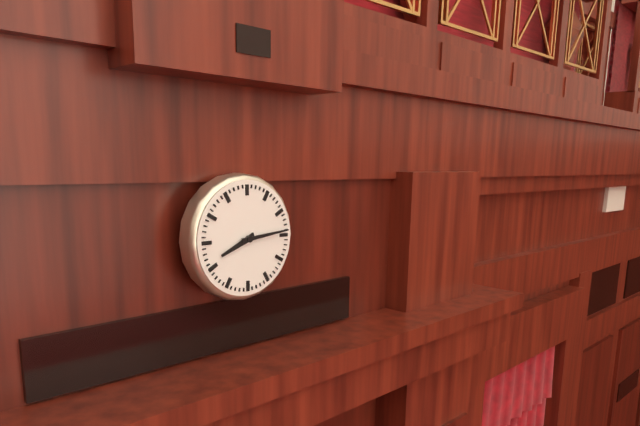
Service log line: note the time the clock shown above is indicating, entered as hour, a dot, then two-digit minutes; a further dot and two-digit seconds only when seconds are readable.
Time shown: 8.14
